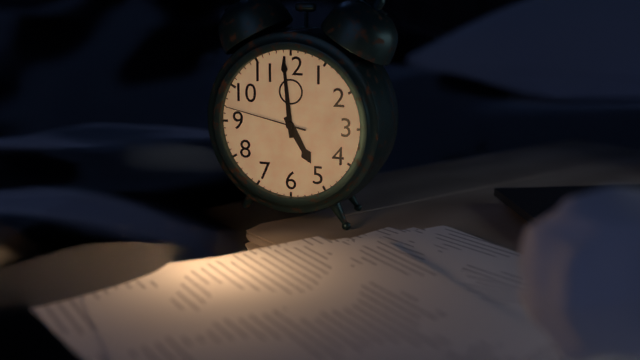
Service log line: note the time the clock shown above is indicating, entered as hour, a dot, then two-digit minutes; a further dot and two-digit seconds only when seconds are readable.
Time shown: 4.59.47
